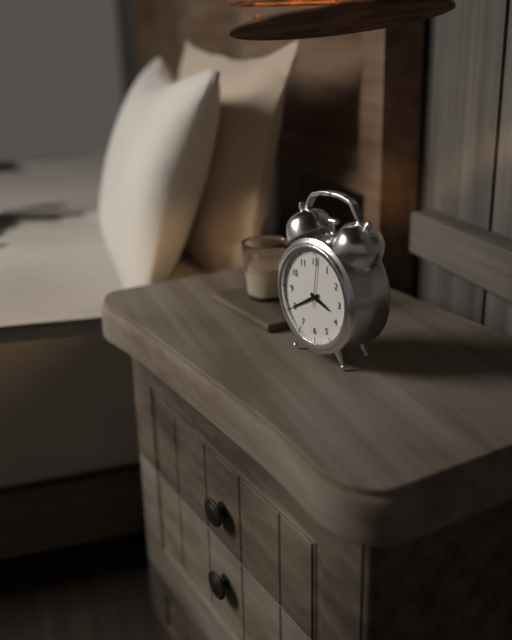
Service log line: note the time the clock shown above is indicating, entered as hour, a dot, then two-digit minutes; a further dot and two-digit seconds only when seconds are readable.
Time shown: 3.40.01
